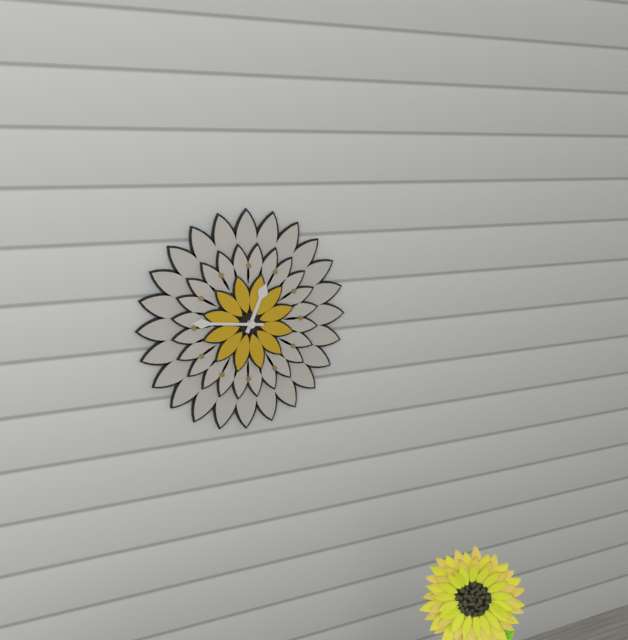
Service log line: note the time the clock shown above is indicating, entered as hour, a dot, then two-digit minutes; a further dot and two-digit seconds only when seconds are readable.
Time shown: 12.46
